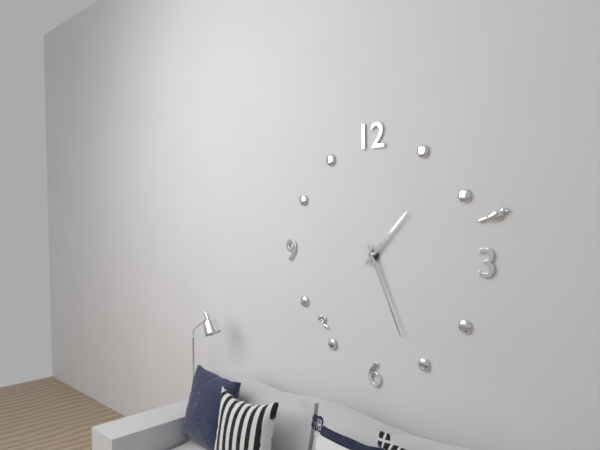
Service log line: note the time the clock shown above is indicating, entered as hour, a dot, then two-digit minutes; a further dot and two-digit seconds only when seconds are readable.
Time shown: 1.26
